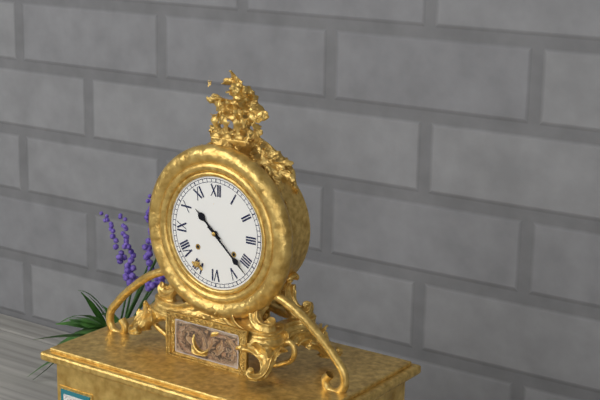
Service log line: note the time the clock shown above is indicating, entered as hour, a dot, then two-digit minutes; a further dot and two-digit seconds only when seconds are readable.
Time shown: 10.22
